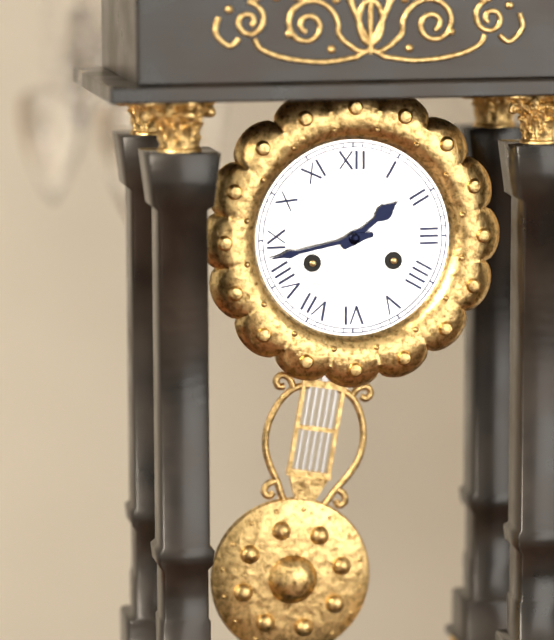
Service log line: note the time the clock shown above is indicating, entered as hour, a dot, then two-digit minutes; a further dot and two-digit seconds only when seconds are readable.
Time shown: 1.43
